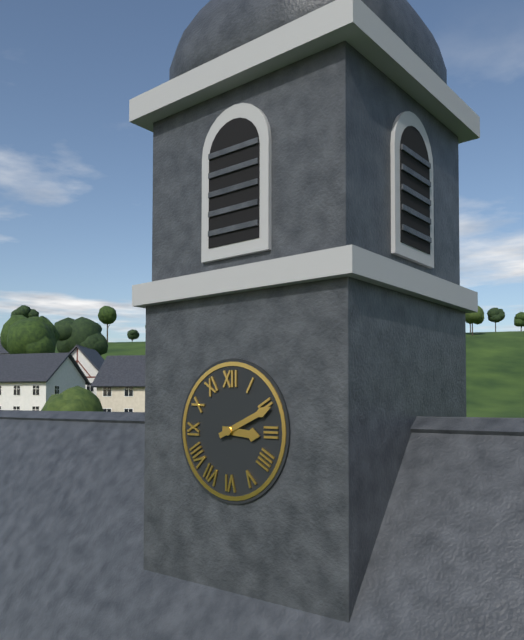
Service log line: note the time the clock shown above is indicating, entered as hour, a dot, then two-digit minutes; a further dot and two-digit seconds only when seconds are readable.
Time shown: 3.11
